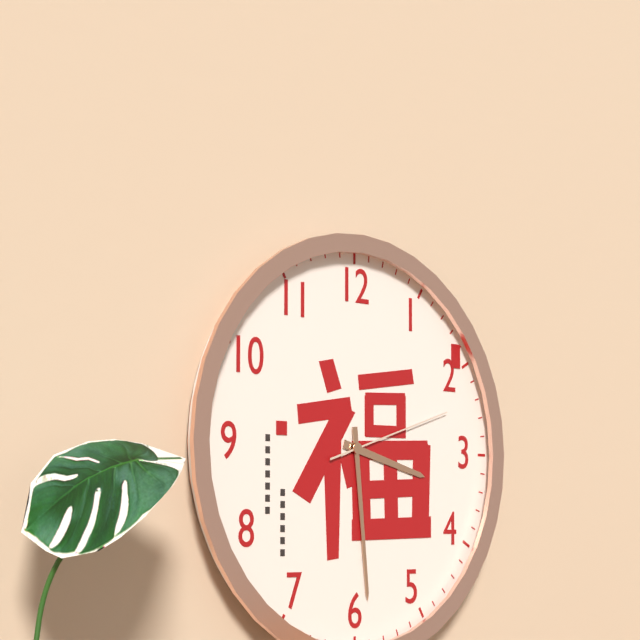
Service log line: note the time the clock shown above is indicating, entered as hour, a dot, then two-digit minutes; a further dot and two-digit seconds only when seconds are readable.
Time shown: 3.29.12
